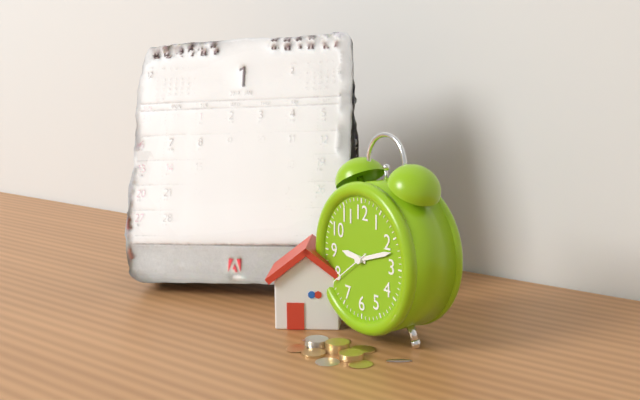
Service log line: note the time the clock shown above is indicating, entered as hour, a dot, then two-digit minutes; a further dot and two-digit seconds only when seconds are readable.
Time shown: 9.12
